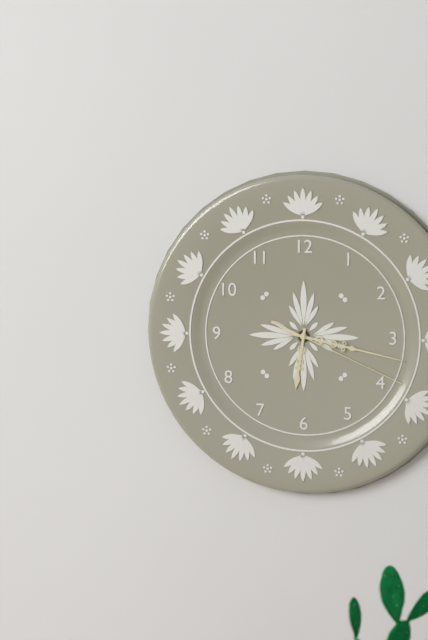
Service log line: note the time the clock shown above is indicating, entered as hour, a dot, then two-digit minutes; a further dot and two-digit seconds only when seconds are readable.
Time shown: 6.17.19
